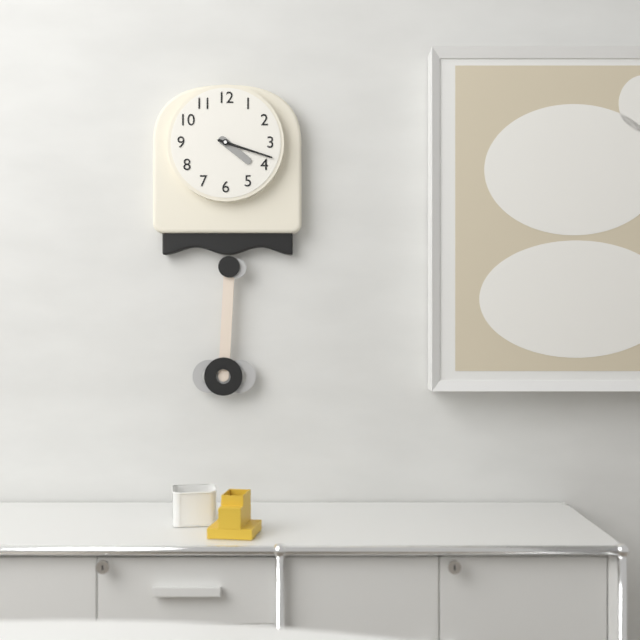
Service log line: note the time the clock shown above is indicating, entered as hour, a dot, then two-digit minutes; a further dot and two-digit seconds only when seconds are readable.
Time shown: 4.18
